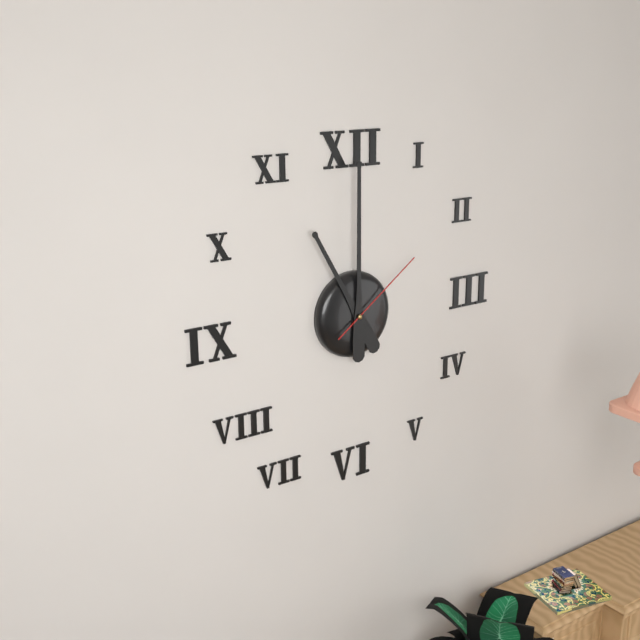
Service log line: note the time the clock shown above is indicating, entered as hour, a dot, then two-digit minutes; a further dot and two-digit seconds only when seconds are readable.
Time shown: 11.00.09
